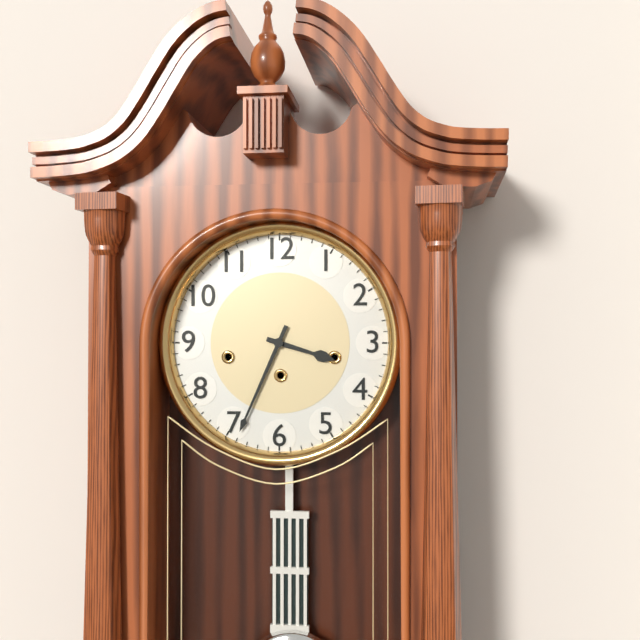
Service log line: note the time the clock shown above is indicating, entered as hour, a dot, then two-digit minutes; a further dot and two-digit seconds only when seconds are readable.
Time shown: 3.34
